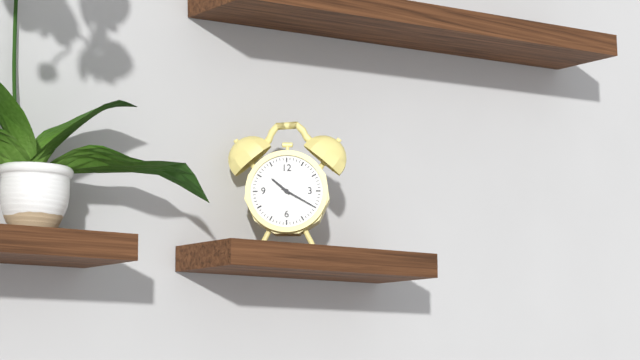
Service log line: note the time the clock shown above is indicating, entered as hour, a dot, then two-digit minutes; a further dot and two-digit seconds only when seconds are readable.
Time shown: 10.20
